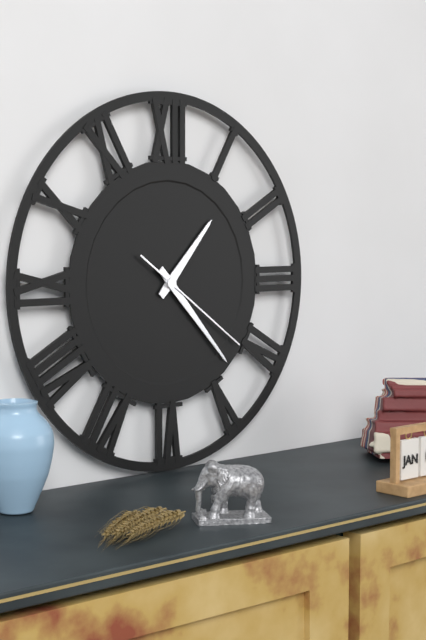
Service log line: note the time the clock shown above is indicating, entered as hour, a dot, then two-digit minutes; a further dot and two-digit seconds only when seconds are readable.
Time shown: 1.23.21
